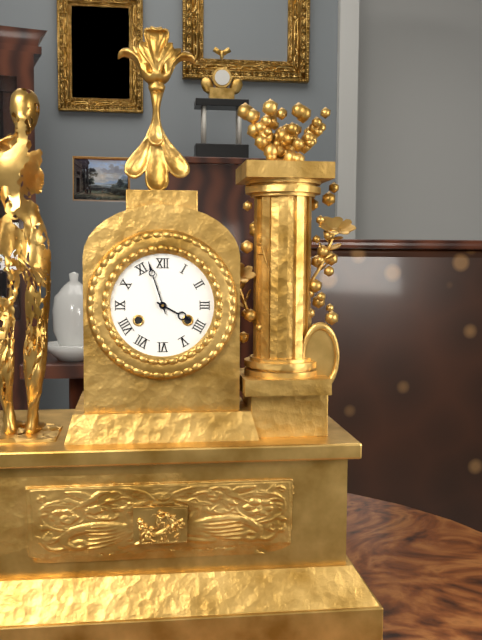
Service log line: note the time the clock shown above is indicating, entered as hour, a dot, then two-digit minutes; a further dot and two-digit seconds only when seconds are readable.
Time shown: 3.57
